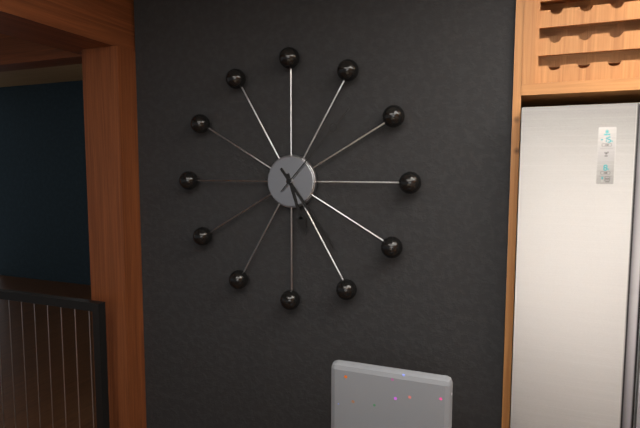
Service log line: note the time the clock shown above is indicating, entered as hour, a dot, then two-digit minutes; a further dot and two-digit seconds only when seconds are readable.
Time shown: 5.24.07
